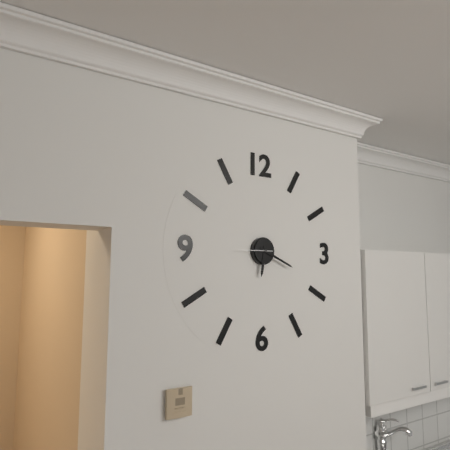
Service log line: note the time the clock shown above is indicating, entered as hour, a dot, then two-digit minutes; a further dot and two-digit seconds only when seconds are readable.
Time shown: 6.19
